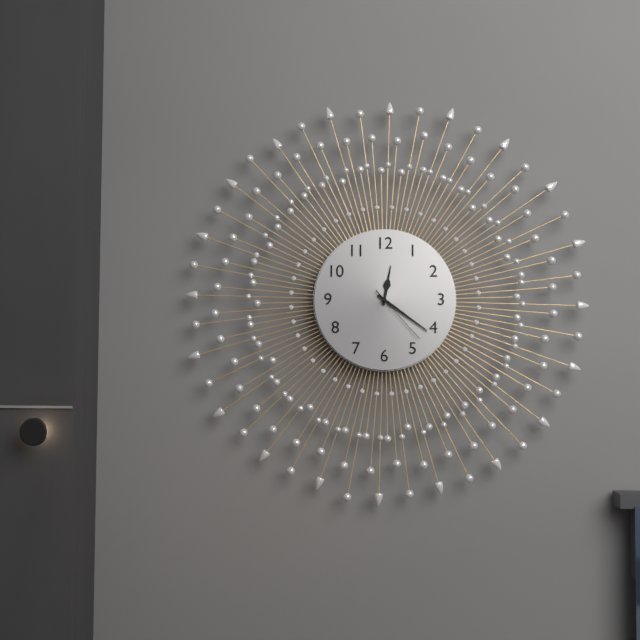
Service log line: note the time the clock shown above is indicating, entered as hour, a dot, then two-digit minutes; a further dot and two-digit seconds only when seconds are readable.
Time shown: 12.21.23
